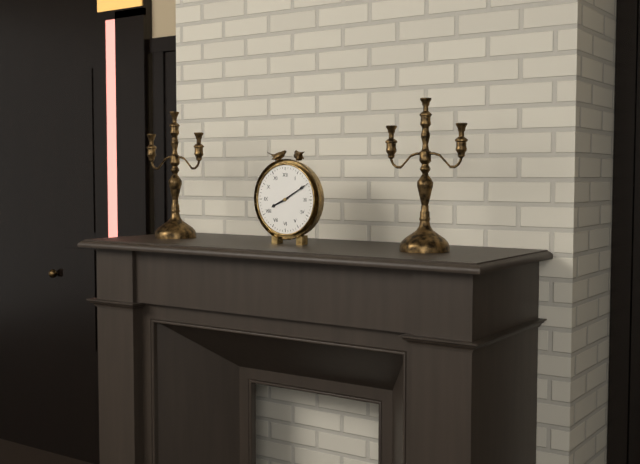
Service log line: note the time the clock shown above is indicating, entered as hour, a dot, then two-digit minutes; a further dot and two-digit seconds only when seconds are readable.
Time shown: 8.10
